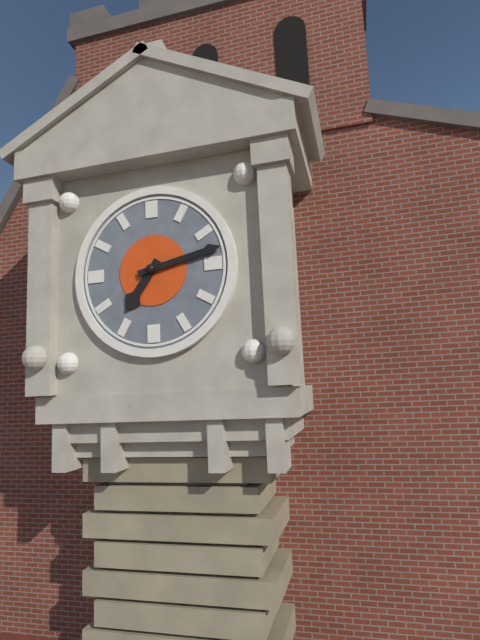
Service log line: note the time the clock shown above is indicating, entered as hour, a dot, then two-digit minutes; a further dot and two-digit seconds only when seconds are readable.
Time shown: 7.13
